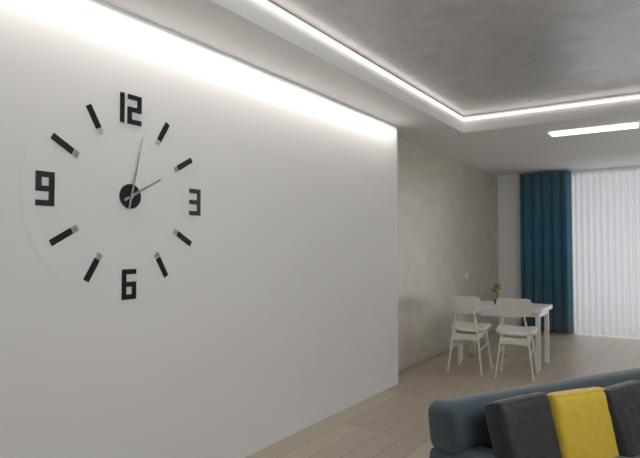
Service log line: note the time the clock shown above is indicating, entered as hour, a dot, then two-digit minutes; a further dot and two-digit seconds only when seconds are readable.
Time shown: 2.02
